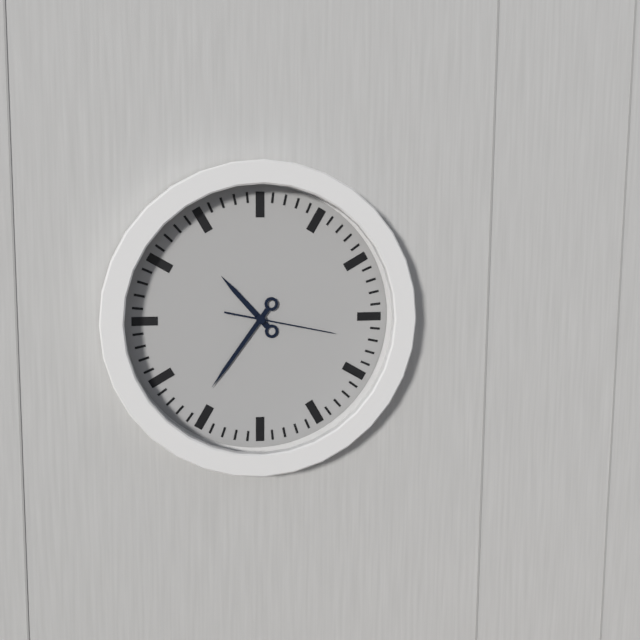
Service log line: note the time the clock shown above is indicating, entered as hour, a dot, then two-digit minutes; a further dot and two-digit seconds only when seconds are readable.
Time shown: 10.36.17
